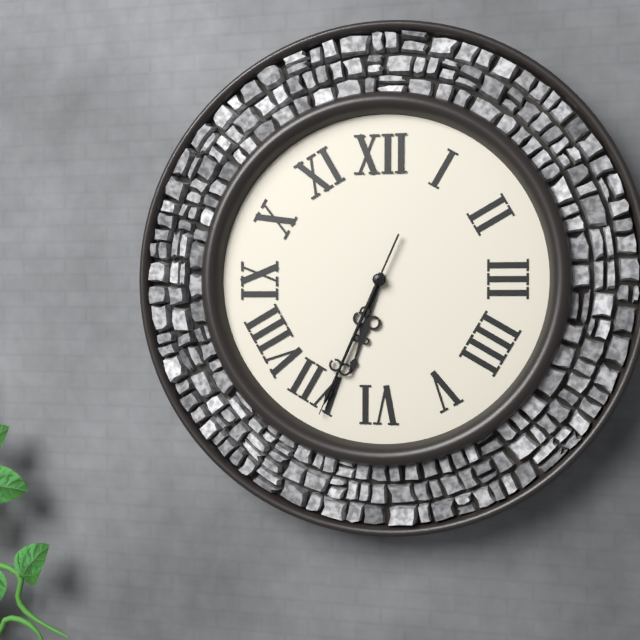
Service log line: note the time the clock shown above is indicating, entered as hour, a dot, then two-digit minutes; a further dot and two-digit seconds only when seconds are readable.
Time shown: 6.34.34
